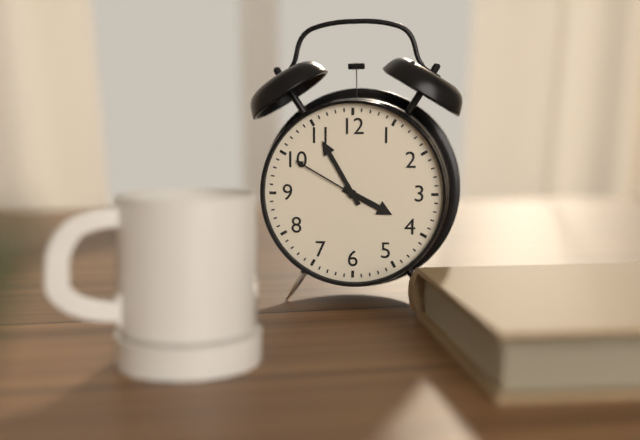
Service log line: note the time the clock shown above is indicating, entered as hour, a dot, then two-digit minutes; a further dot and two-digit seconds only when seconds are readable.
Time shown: 3.55.50
